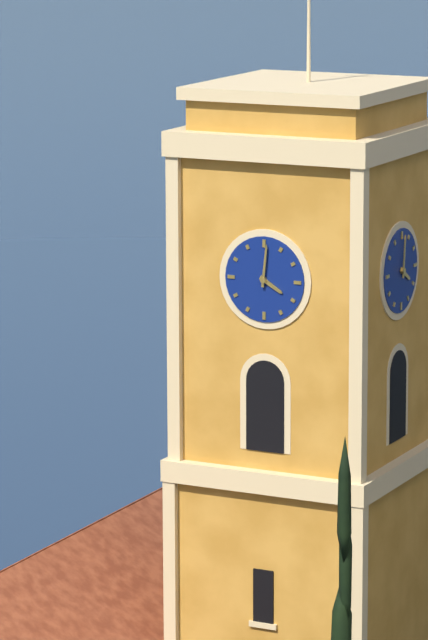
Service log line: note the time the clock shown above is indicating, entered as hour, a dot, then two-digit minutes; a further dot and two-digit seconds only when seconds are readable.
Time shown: 4.01
